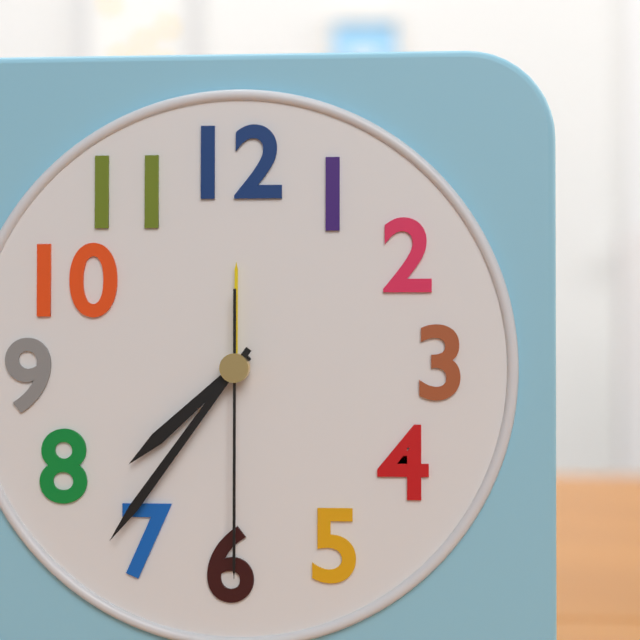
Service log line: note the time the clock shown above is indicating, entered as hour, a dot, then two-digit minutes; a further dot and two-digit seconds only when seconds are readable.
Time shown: 7.36.30
